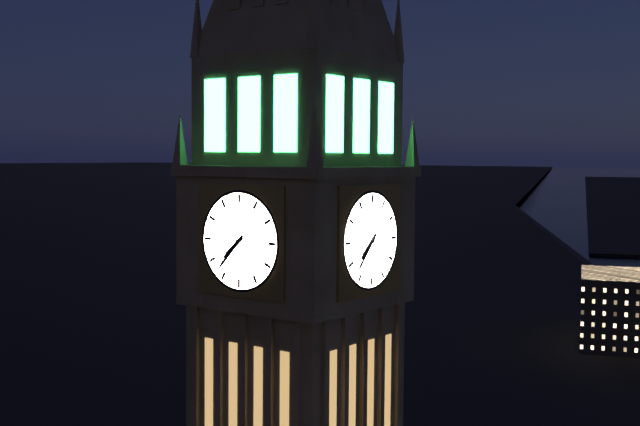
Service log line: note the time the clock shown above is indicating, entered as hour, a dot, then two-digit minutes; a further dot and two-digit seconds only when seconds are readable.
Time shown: 7.37
